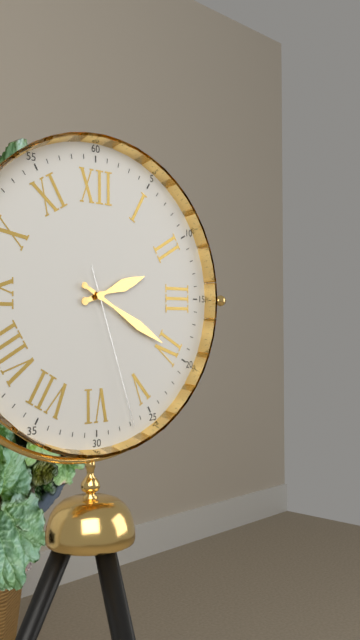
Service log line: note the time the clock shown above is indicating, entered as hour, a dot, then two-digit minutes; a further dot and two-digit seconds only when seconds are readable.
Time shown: 2.20.27
